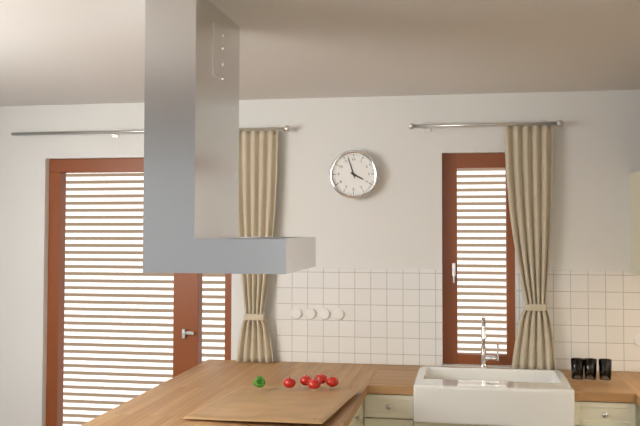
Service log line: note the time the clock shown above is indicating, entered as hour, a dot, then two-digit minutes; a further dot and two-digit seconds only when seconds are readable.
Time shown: 3.57
